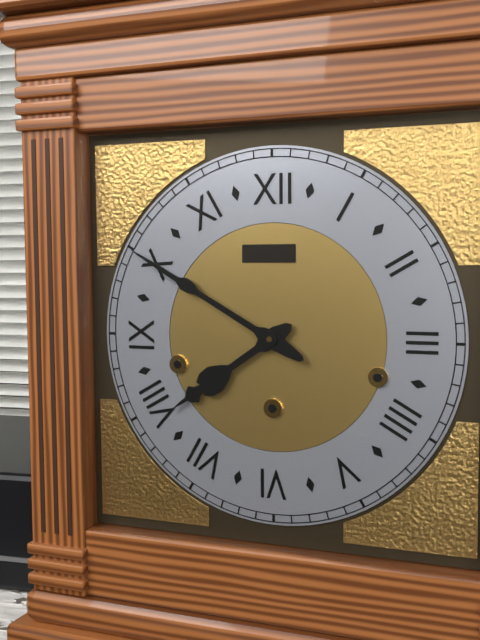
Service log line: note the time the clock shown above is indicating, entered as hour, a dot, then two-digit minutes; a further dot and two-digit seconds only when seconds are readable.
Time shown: 7.50
